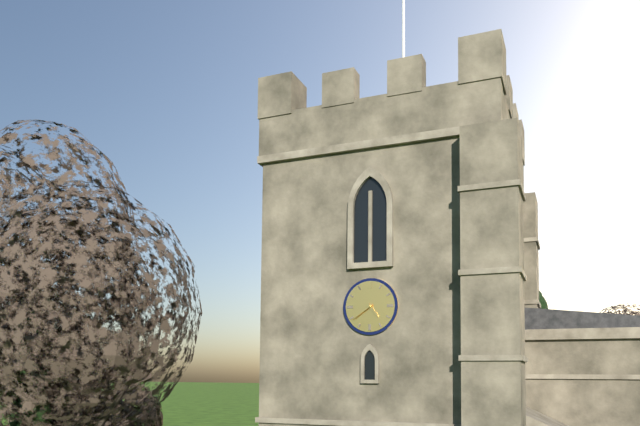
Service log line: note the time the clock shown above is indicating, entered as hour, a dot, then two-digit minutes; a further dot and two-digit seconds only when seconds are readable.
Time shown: 4.39
